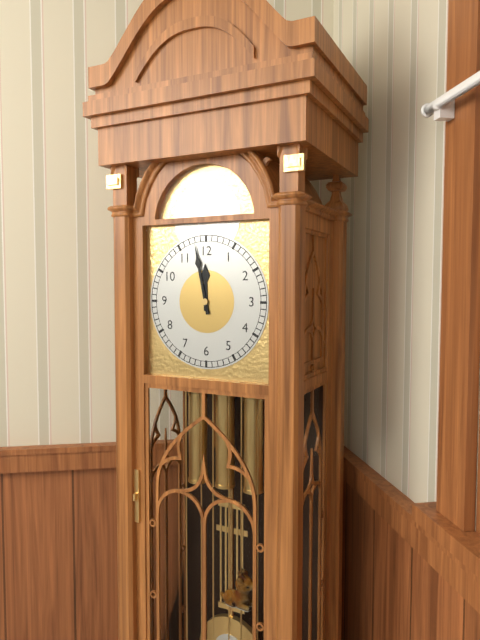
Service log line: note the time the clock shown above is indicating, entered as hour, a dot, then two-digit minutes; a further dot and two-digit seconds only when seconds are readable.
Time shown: 11.58
